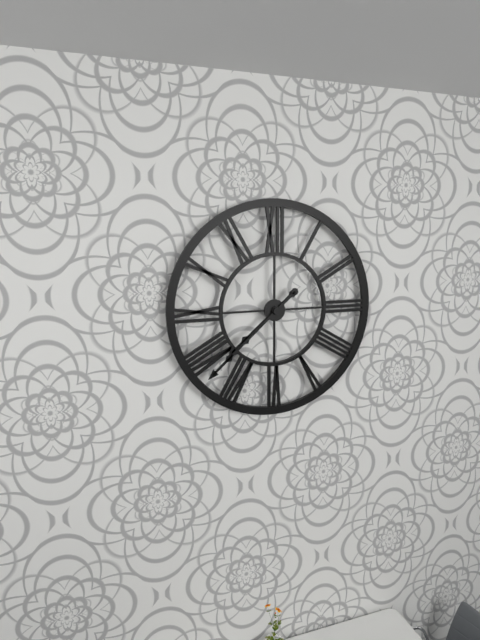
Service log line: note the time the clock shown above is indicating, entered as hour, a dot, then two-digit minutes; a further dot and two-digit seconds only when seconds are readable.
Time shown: 7.38
